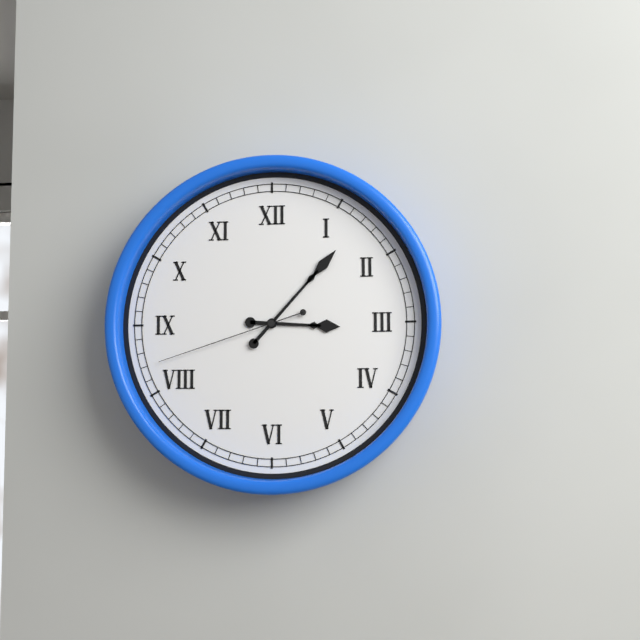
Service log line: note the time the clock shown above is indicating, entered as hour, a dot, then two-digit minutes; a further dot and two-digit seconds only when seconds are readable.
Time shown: 3.07.42
